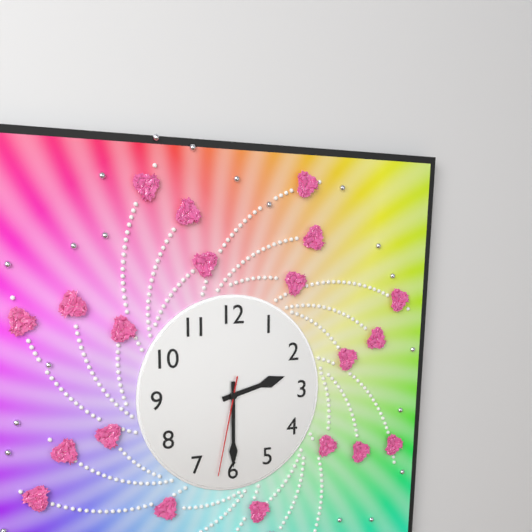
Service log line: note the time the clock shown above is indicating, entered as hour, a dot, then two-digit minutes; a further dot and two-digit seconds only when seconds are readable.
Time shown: 2.30.32
